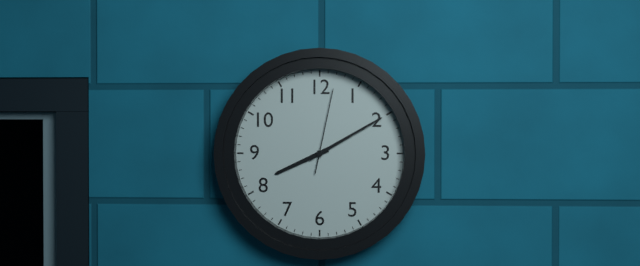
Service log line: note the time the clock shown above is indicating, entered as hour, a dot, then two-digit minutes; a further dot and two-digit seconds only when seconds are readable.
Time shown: 8.10.02
